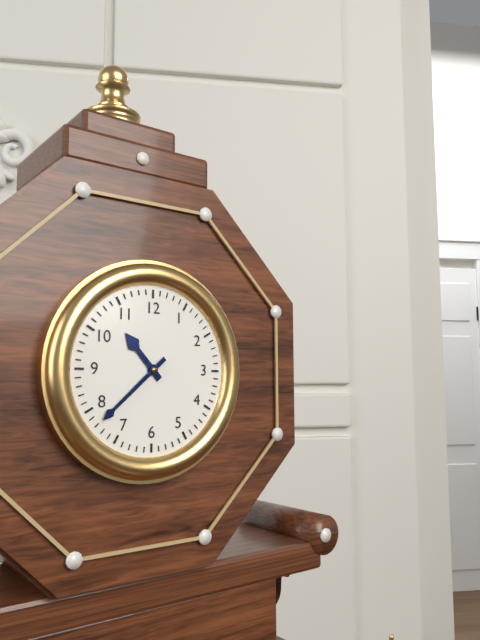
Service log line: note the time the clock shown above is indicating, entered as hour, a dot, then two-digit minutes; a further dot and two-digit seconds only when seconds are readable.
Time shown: 10.38
